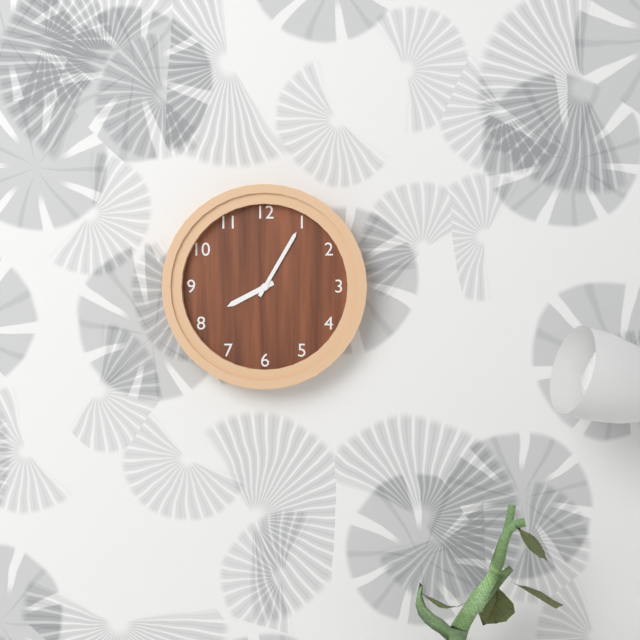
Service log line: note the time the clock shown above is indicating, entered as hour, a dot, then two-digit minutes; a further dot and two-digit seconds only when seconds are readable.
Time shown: 8.05
